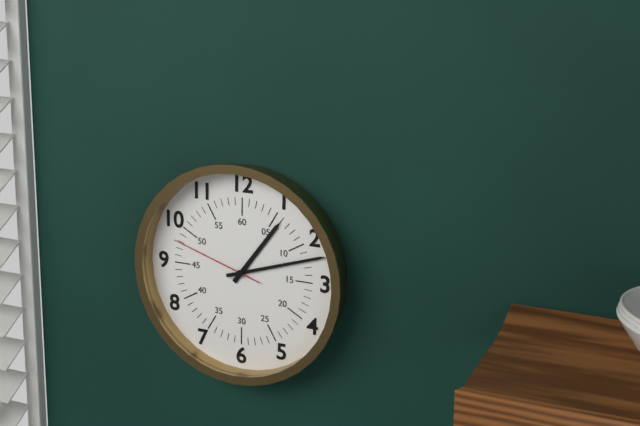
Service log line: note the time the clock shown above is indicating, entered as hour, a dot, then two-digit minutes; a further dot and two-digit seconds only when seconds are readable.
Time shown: 1.12.48
